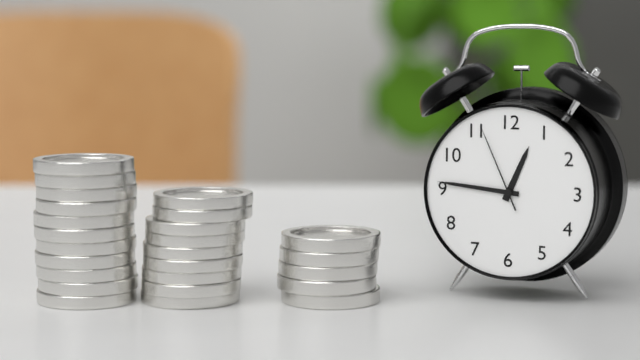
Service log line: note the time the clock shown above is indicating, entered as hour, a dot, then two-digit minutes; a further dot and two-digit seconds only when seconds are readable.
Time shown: 12.46.56
